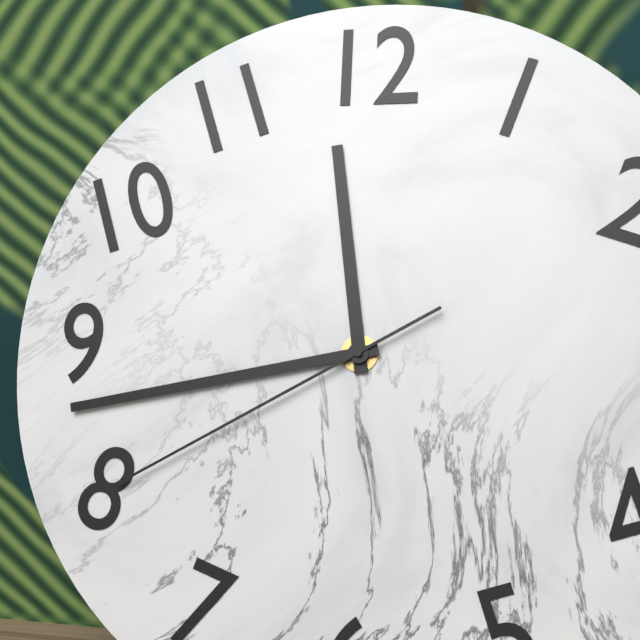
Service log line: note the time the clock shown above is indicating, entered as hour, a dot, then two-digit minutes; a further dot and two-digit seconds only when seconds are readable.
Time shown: 11.43.40
